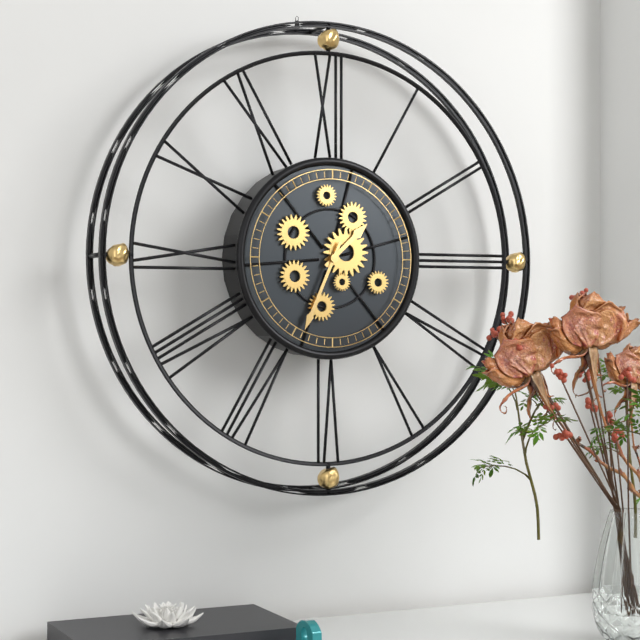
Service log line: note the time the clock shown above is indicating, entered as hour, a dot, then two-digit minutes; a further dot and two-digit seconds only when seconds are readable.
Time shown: 1.34
